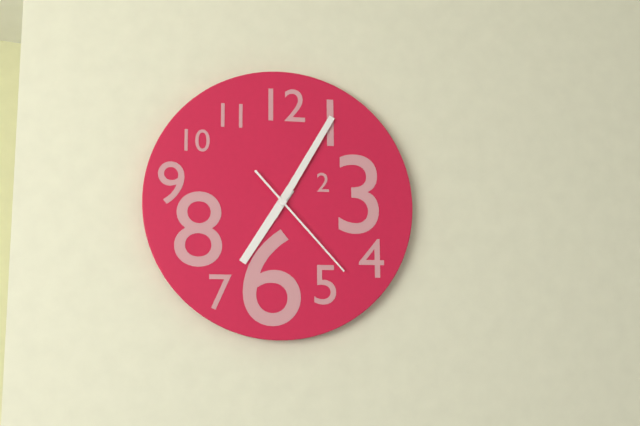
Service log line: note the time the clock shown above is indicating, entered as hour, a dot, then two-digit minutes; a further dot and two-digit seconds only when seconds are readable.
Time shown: 7.05.23
